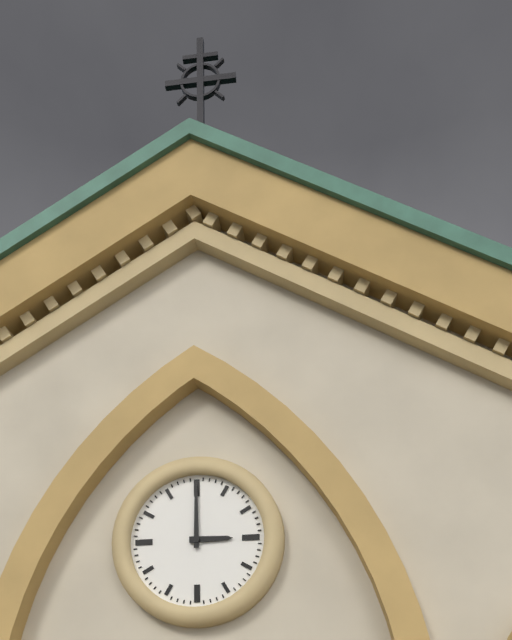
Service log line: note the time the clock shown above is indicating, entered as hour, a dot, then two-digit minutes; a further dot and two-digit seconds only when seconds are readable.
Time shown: 3.00
